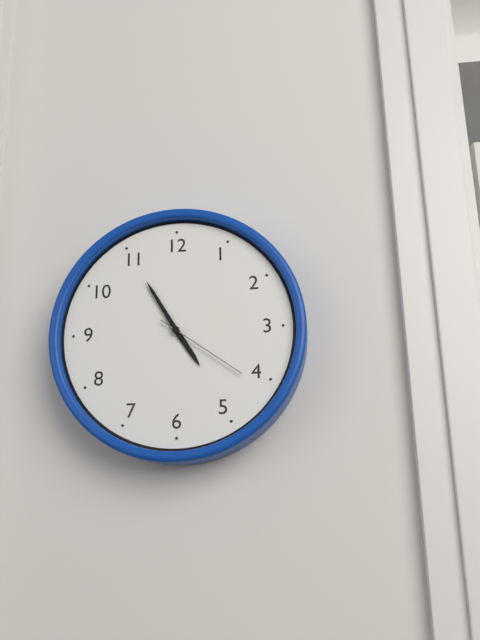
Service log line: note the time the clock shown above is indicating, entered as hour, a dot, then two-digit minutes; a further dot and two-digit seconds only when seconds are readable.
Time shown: 4.55.21
